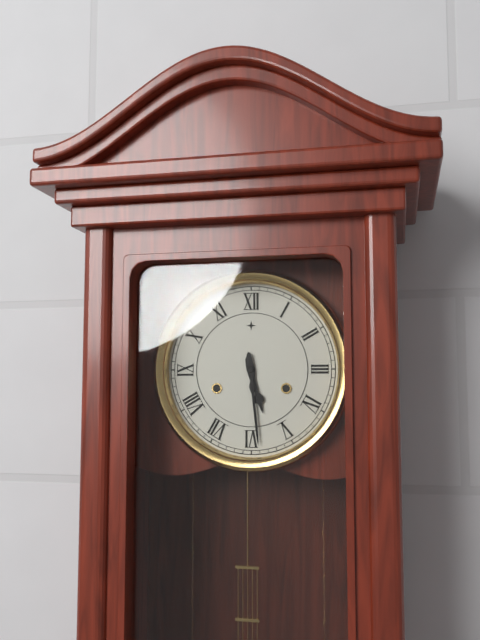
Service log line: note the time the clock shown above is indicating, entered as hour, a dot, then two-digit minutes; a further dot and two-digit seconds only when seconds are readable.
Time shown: 5.29
